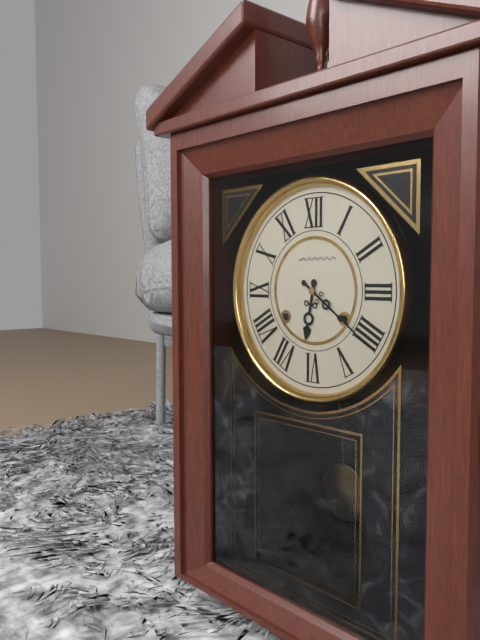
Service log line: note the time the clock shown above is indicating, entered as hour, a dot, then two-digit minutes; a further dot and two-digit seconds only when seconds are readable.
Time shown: 6.21
